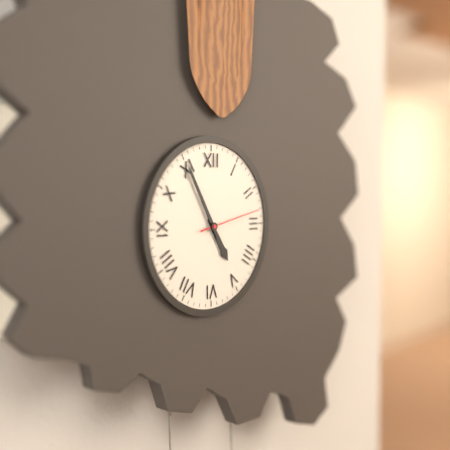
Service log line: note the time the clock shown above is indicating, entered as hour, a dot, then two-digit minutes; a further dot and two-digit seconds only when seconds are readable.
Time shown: 4.55.13
